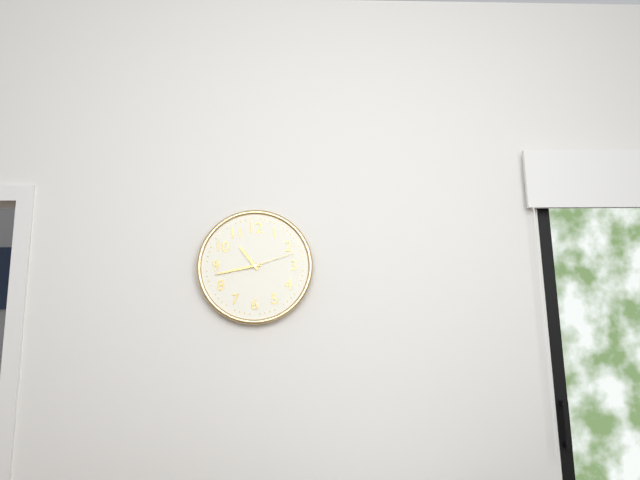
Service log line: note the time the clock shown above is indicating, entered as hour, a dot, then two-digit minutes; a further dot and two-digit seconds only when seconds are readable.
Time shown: 10.43.12
